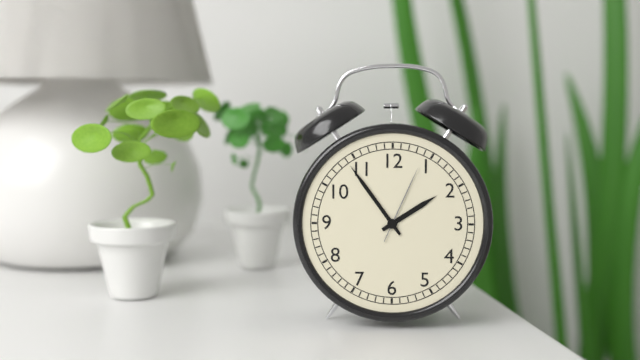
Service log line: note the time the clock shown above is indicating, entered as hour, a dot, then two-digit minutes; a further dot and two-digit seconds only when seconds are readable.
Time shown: 1.54.04
